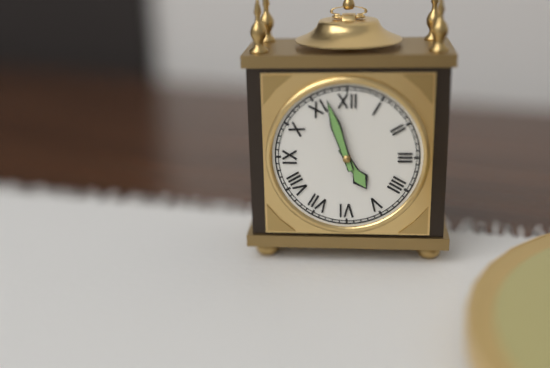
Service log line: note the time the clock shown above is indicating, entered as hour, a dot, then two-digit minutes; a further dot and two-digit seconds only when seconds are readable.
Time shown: 4.57
